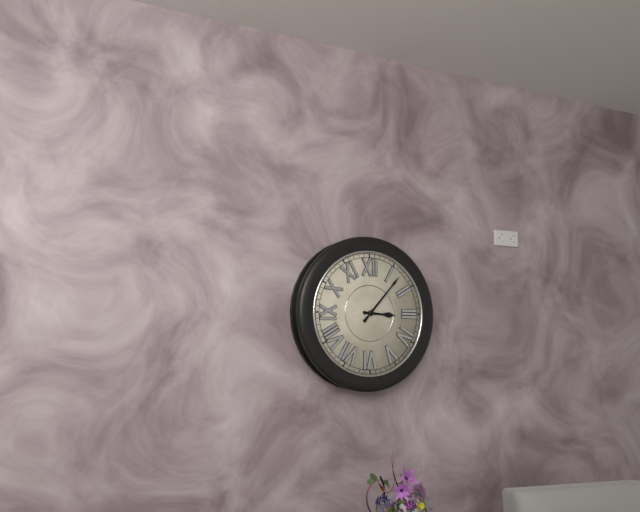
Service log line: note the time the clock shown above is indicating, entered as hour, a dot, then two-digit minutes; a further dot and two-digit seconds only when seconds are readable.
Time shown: 3.07
